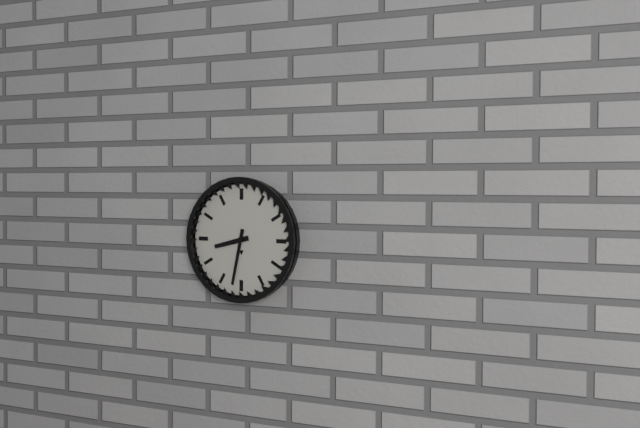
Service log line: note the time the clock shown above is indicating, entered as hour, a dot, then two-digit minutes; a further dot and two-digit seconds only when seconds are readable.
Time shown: 8.32
